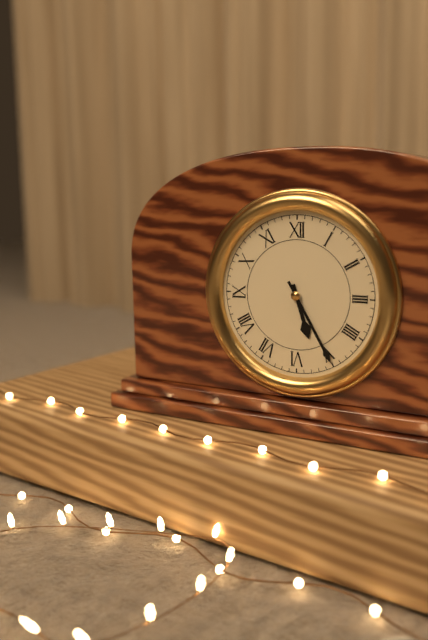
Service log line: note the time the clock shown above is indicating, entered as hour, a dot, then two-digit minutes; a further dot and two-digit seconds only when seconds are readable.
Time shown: 5.25
